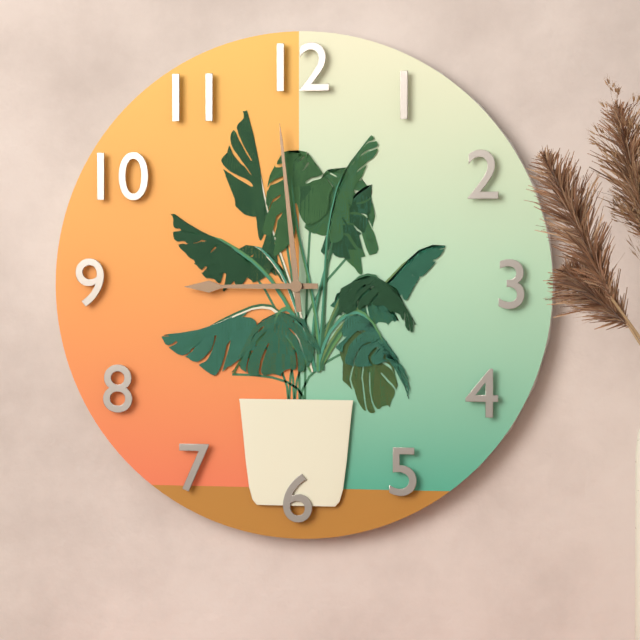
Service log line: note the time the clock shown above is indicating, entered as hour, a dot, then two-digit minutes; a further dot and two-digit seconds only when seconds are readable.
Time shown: 8.59
